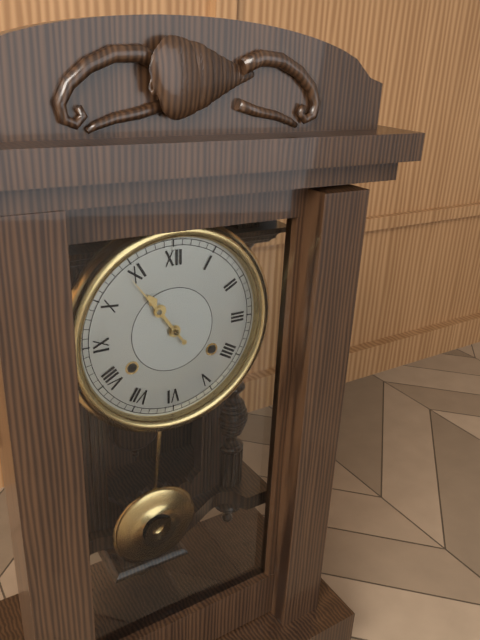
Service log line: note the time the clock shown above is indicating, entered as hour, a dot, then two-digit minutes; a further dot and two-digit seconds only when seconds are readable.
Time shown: 10.54
